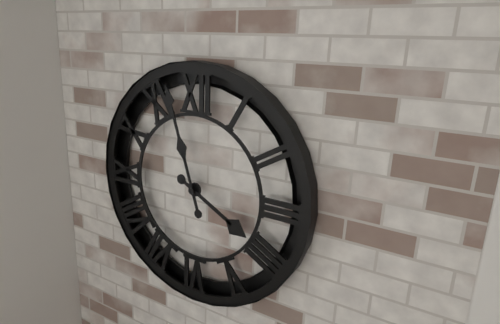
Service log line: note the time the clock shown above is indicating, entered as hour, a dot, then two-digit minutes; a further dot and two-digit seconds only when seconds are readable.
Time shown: 3.57
